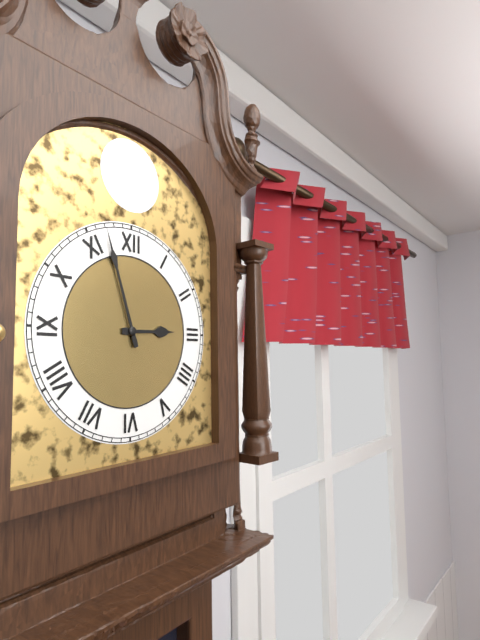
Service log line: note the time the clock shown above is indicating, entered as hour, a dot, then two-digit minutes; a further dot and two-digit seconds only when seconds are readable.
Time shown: 2.57
